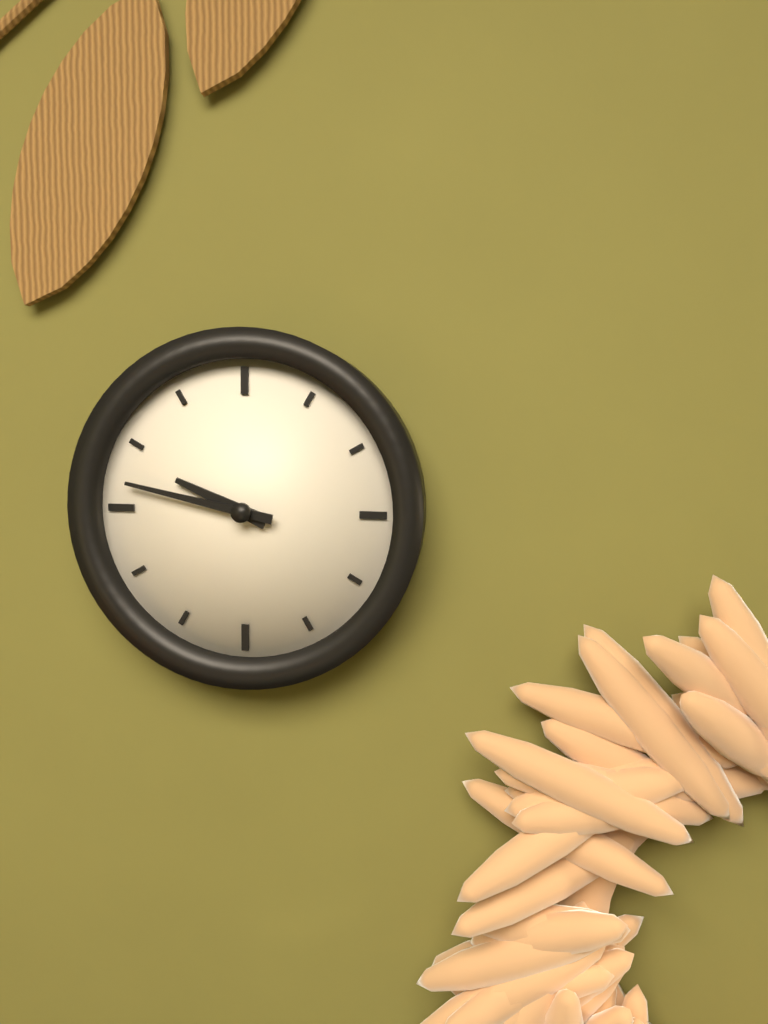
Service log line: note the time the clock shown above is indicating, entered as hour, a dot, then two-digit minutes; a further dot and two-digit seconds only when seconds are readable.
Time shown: 9.47
